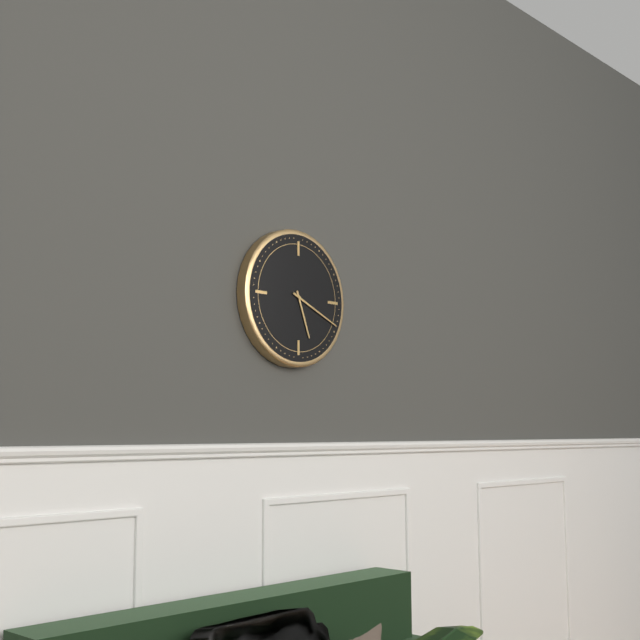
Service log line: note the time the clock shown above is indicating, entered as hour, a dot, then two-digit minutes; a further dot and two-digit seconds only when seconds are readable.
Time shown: 5.19
